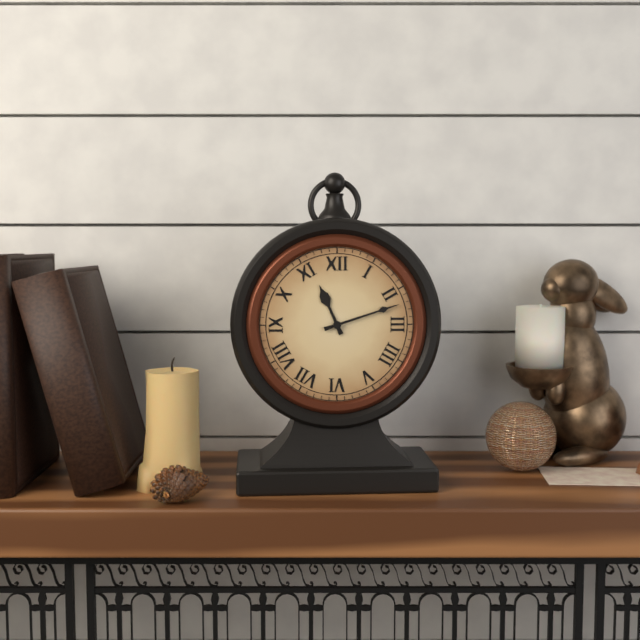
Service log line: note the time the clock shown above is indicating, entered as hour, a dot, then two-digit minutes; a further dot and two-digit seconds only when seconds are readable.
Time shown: 11.12
